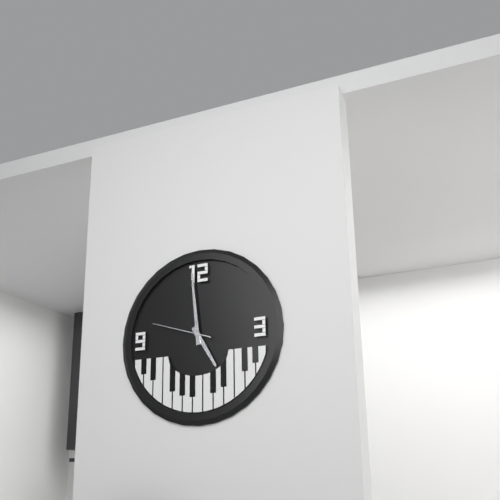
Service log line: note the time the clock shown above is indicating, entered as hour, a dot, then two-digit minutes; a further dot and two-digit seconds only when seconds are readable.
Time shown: 4.59.48
